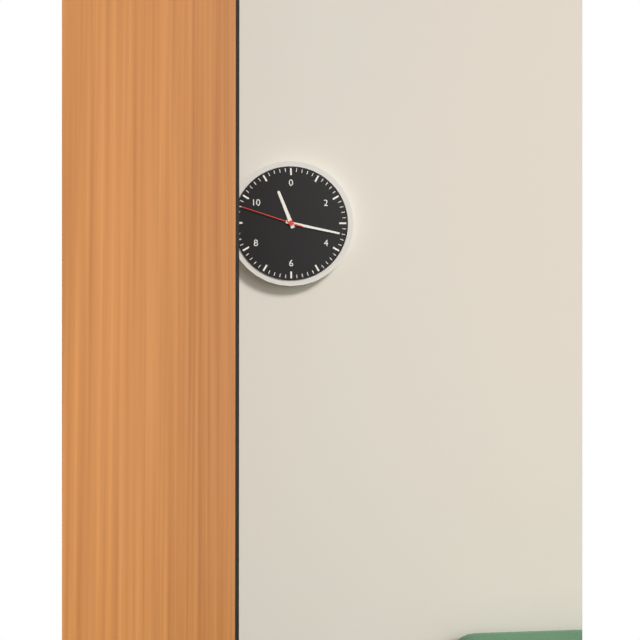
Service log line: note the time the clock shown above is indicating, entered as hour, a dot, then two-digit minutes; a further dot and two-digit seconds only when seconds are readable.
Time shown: 11.17.48
